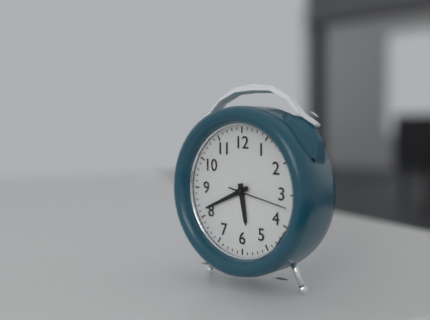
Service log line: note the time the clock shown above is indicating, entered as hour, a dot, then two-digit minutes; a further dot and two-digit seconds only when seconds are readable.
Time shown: 5.41.17
